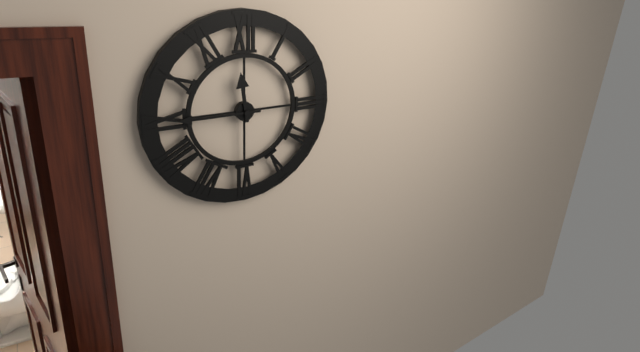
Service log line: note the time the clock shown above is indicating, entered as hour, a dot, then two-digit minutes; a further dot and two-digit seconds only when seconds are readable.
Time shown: 11.45
